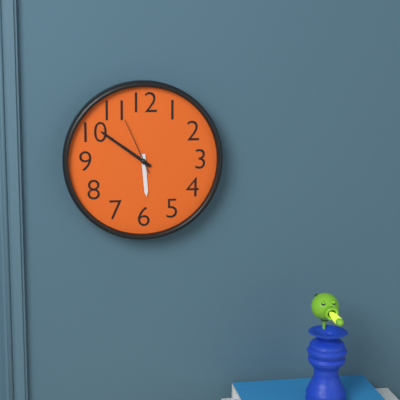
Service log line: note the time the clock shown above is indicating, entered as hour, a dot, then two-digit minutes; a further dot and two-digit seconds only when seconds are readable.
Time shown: 5.51.56
